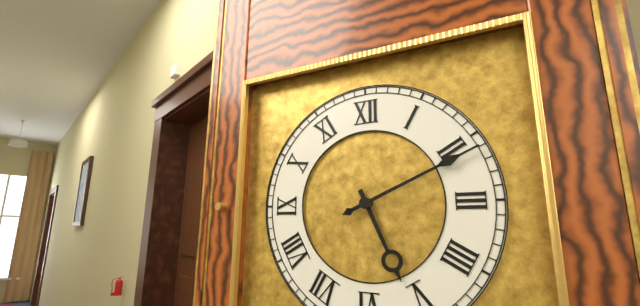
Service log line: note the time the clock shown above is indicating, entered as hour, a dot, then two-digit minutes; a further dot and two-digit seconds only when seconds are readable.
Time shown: 5.11
